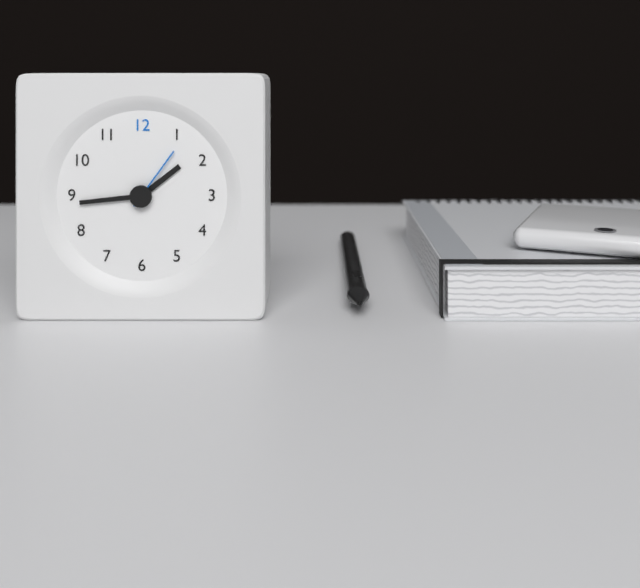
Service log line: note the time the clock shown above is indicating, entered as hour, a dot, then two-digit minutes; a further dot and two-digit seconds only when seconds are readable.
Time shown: 1.44.06
